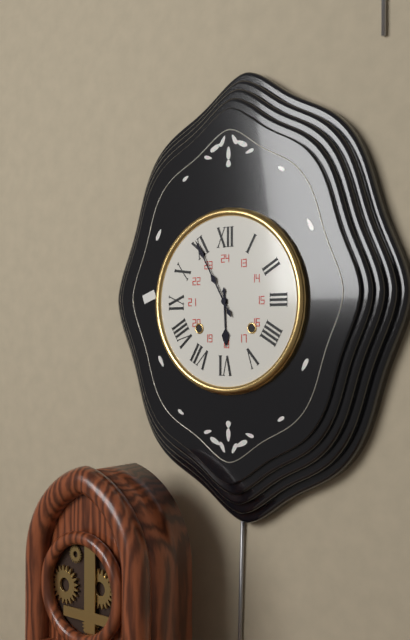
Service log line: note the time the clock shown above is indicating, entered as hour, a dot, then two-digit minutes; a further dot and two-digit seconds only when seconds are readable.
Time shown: 5.55
